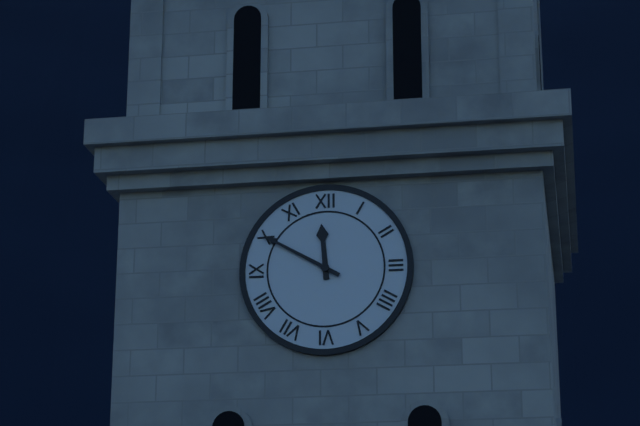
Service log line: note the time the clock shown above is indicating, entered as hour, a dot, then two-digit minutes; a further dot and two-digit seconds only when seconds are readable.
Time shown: 11.50
